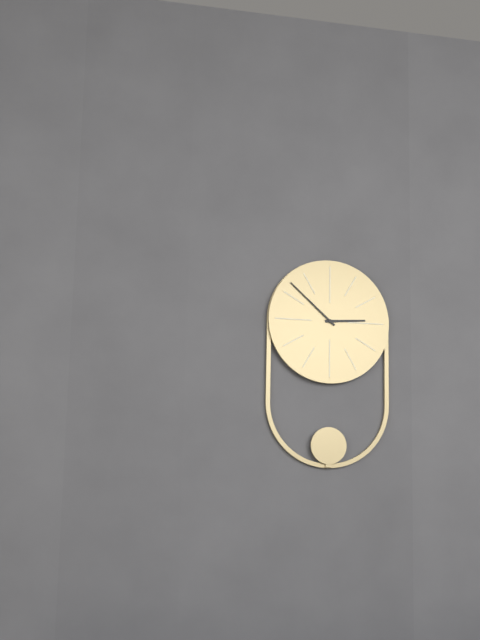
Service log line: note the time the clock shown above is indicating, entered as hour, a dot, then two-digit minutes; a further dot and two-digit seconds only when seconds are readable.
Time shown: 2.52
